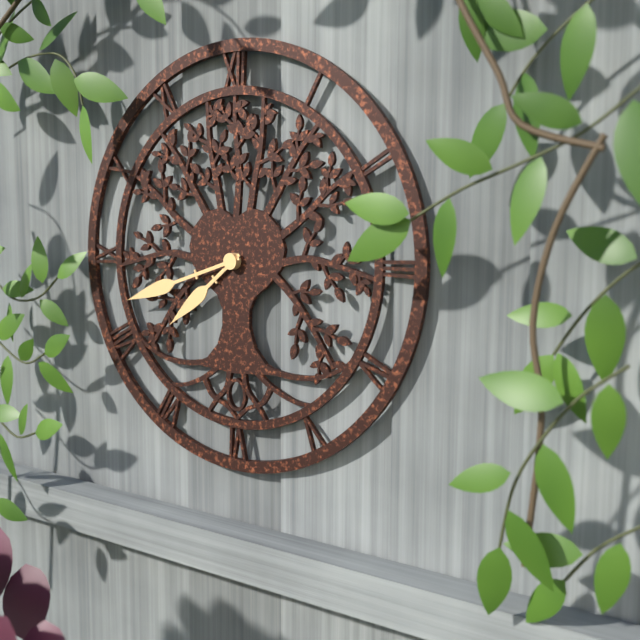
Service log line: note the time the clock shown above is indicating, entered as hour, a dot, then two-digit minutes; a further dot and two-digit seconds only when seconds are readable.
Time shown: 7.42
